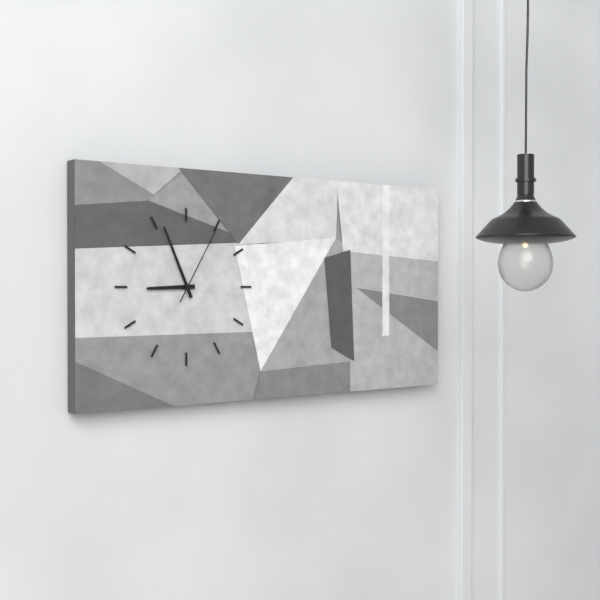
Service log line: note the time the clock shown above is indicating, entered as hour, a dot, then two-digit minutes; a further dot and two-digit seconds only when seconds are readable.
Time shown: 8.56.05
